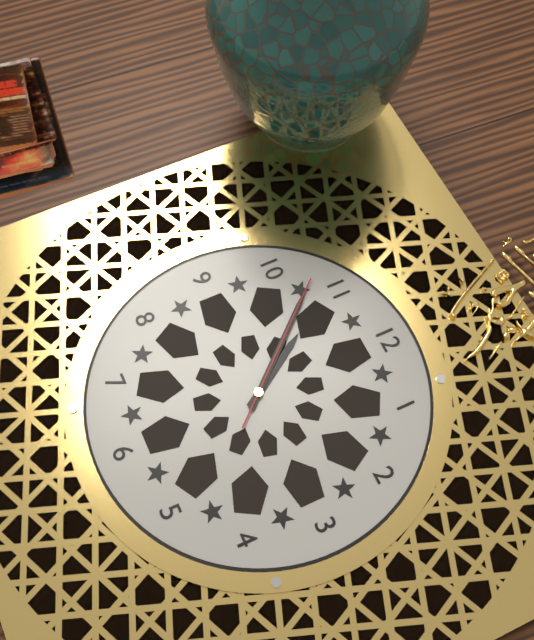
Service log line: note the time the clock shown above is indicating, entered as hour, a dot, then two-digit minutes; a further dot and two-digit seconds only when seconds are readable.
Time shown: 10.53.53
